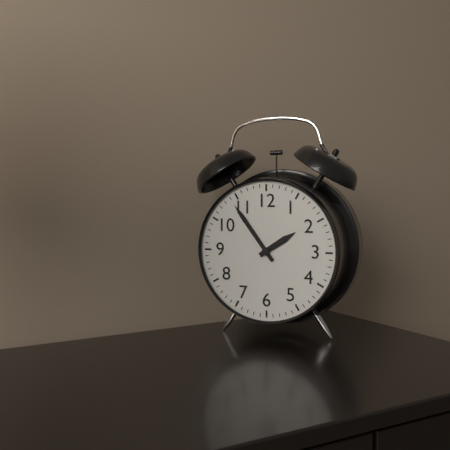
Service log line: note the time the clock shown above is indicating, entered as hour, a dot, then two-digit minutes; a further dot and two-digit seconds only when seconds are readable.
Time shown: 1.54
